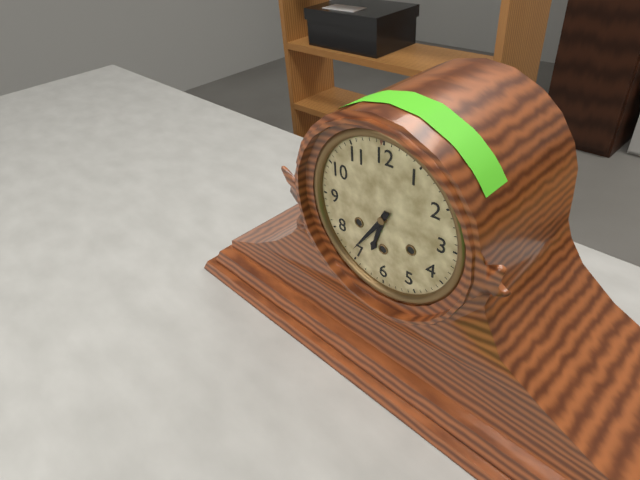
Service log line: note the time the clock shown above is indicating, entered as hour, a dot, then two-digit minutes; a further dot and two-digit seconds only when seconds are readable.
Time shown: 6.36
